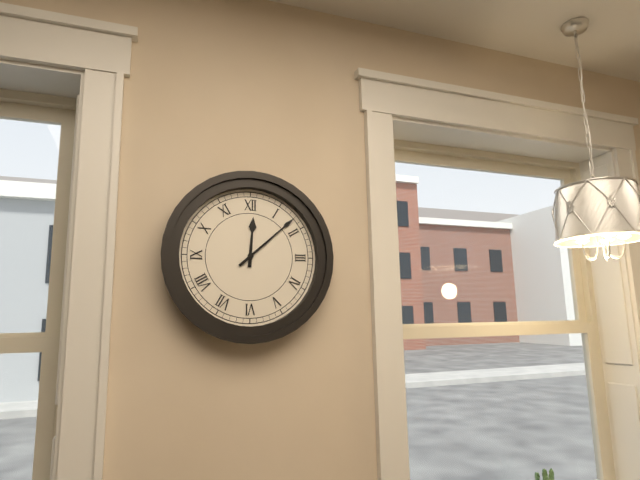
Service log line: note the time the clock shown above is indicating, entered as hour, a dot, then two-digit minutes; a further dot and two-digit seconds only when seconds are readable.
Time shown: 12.08
